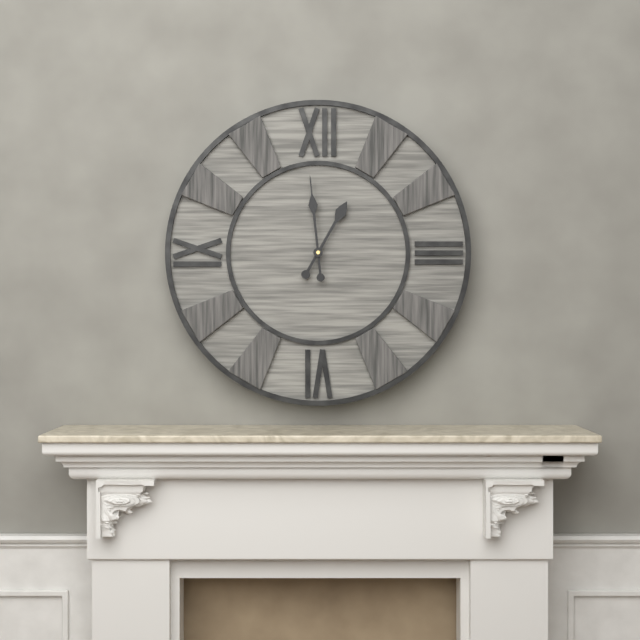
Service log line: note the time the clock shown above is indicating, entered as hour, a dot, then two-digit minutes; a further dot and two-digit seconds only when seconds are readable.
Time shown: 12.59
